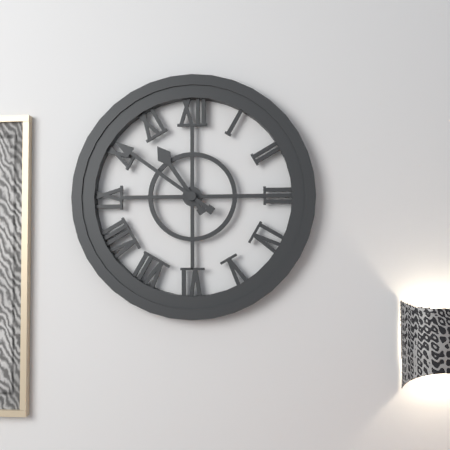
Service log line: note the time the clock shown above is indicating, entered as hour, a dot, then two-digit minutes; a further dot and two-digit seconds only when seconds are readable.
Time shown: 10.51
